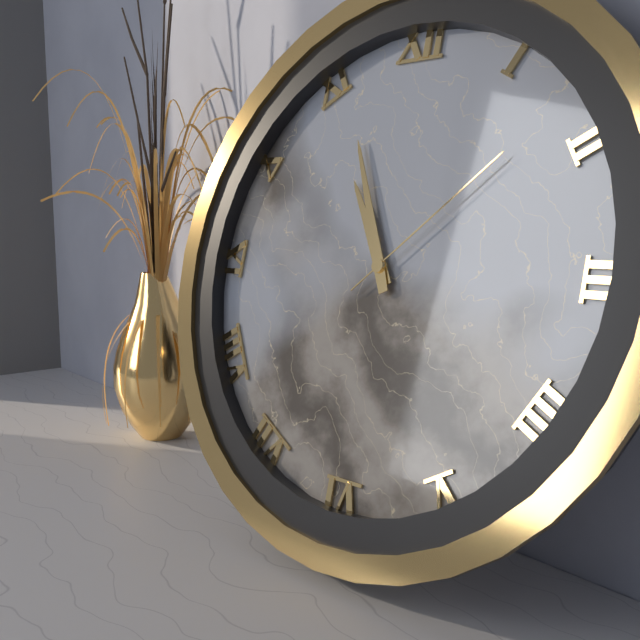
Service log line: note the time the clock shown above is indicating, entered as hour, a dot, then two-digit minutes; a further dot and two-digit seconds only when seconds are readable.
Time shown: 10.56.08
